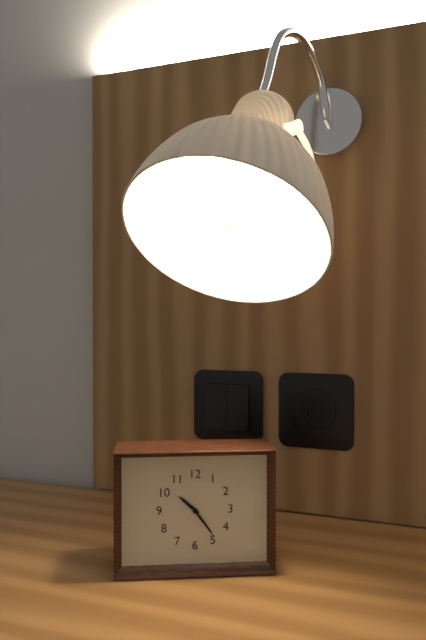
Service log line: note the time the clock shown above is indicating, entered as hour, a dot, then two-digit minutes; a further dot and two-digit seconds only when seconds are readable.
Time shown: 10.24.24
